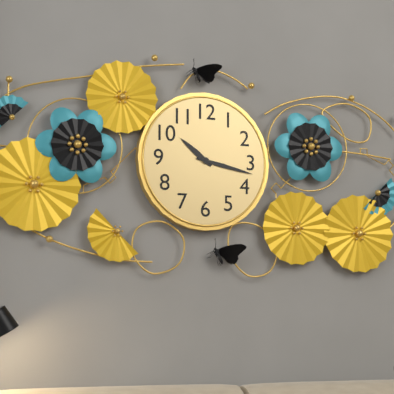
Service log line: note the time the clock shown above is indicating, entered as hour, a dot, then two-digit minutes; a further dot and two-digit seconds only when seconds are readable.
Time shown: 10.17
